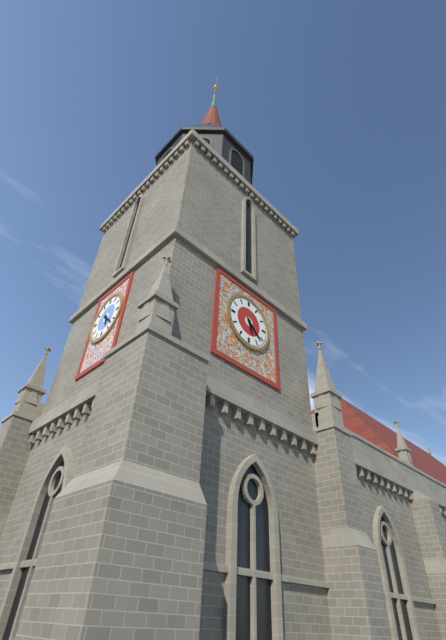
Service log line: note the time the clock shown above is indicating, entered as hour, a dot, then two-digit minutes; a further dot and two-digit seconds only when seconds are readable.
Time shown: 5.22
